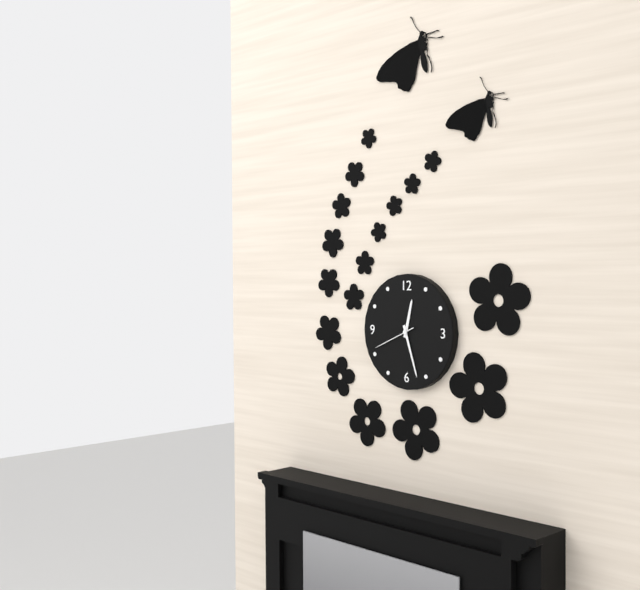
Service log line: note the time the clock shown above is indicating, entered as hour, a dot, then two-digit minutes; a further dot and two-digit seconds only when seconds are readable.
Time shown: 12.27
